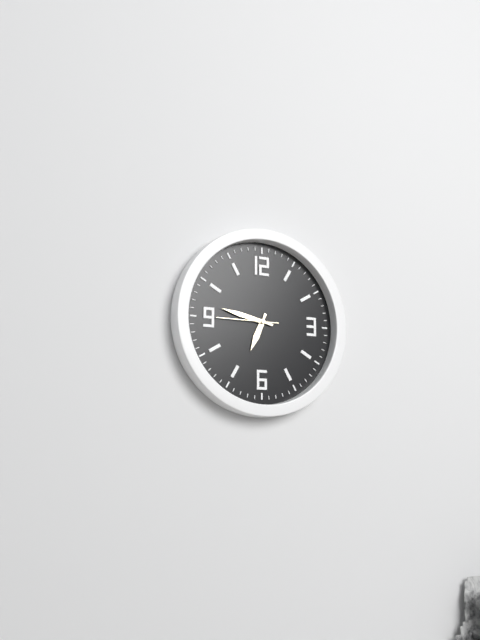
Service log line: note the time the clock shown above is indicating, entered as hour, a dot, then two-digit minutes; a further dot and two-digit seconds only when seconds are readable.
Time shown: 6.47.45
